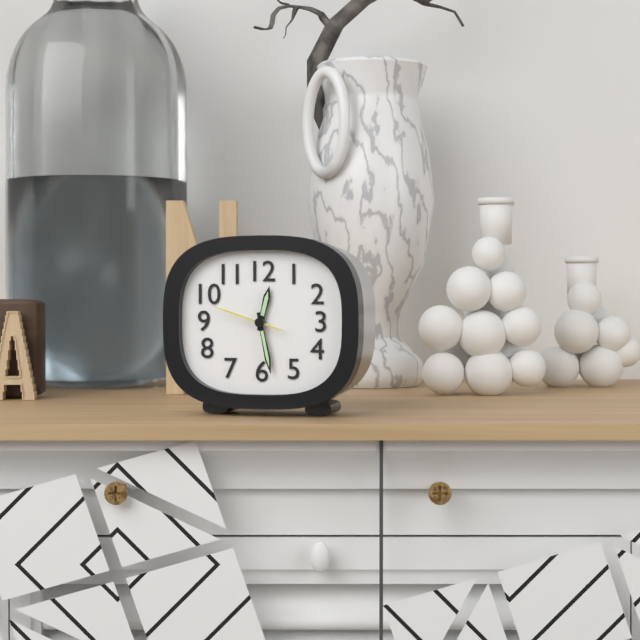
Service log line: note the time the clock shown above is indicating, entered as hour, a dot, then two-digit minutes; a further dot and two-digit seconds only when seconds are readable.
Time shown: 12.28.48
